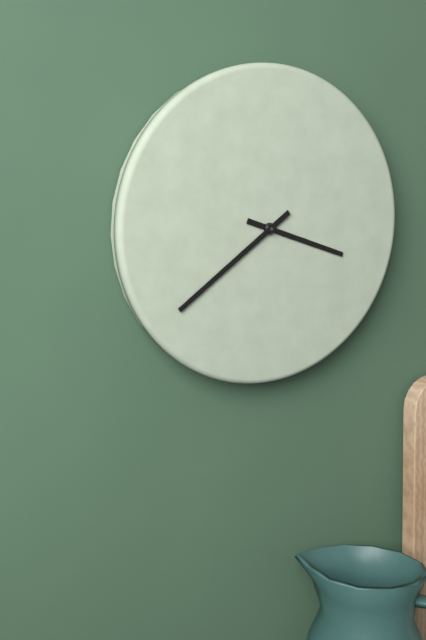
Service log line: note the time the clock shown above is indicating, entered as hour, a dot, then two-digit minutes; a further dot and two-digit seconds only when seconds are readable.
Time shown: 3.39
